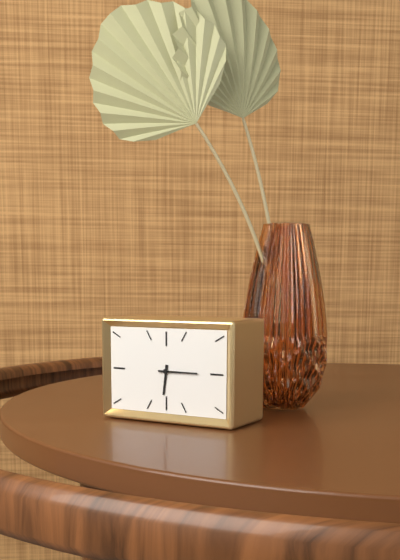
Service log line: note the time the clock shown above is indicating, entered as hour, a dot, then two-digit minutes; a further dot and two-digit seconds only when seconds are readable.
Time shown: 6.15
